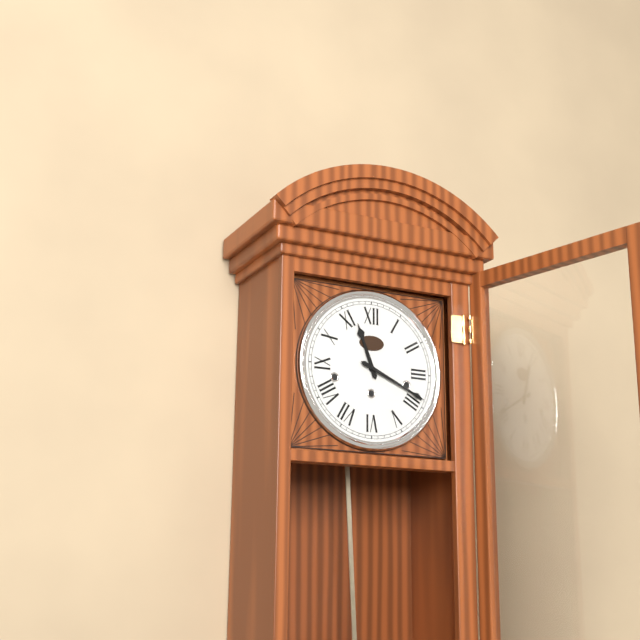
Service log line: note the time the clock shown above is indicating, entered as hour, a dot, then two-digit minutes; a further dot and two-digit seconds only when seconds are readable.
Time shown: 11.19
